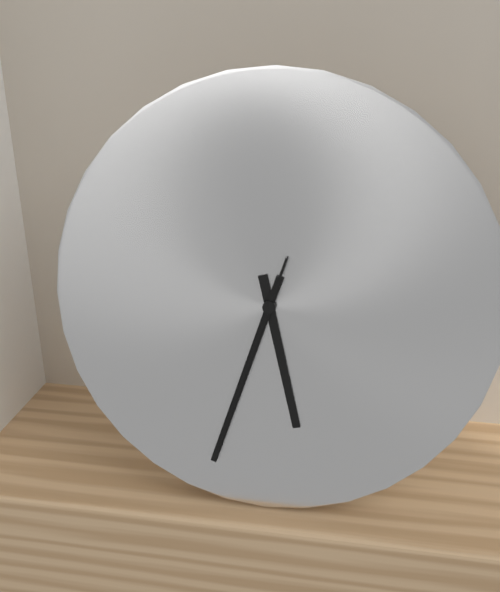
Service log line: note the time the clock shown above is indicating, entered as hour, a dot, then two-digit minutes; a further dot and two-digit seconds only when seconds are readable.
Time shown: 5.33.33
